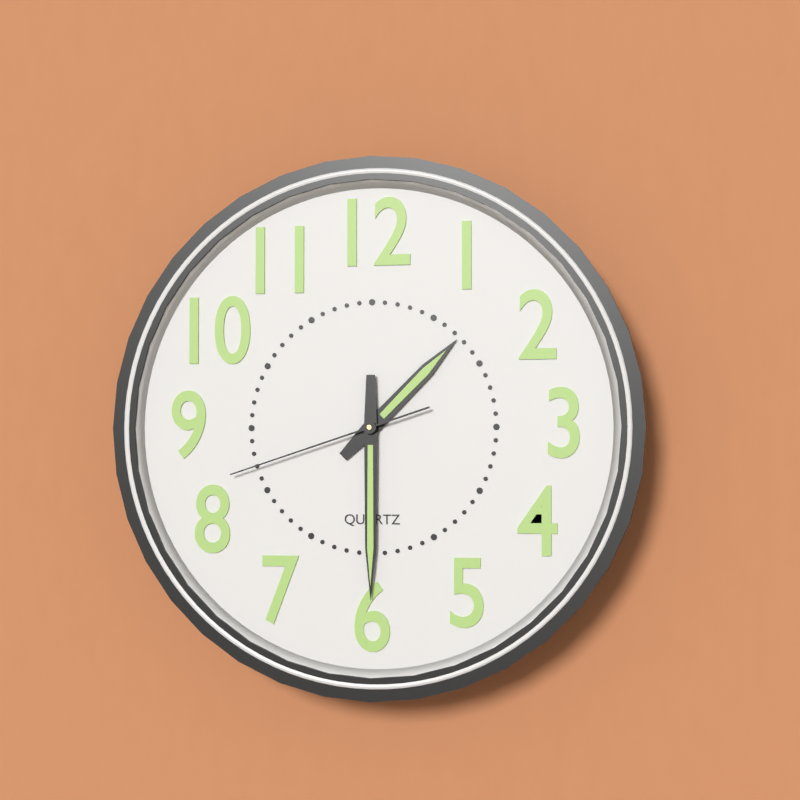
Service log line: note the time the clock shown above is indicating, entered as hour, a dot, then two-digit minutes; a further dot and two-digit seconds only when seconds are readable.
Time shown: 1.30.42
